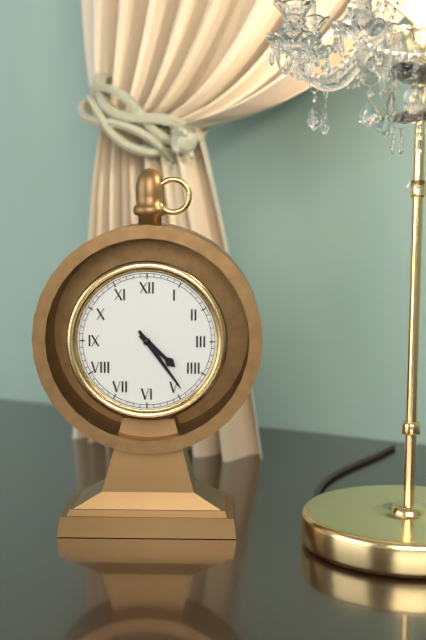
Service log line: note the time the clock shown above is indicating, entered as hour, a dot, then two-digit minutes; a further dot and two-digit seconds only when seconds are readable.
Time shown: 4.24
